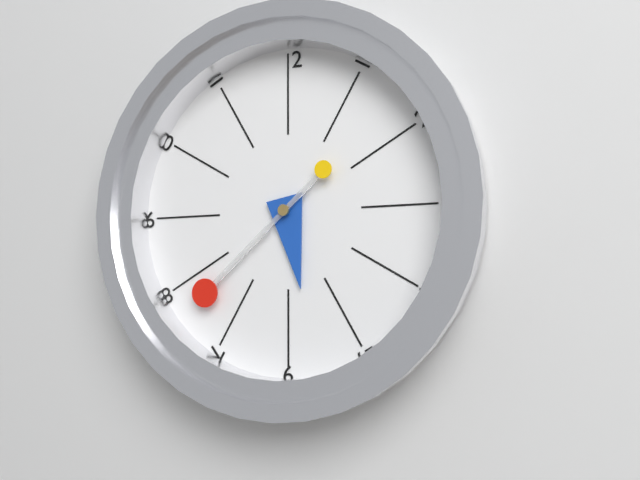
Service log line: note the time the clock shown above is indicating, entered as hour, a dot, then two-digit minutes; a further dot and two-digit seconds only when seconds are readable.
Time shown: 5.38
